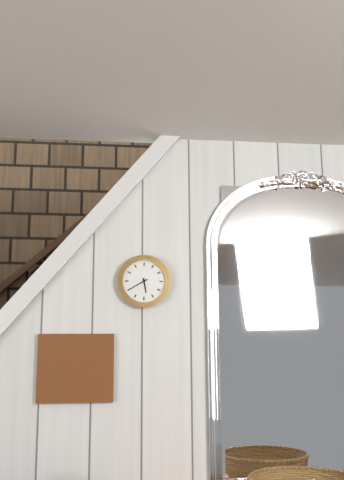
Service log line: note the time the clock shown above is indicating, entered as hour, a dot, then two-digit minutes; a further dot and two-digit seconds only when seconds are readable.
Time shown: 5.40
